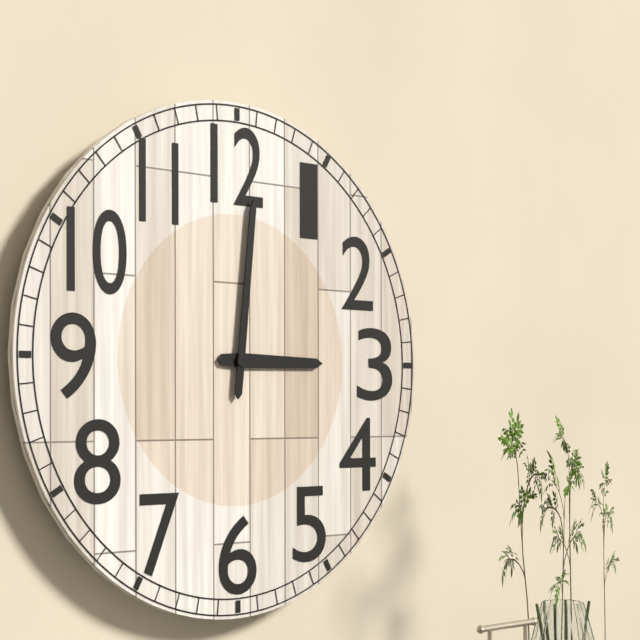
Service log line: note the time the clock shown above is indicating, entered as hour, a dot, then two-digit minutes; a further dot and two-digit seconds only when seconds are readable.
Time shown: 3.01
